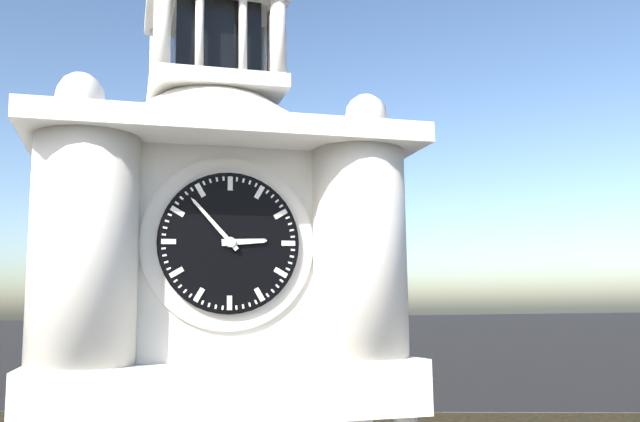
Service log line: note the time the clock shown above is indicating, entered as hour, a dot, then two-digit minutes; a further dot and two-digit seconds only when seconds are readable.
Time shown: 2.53
